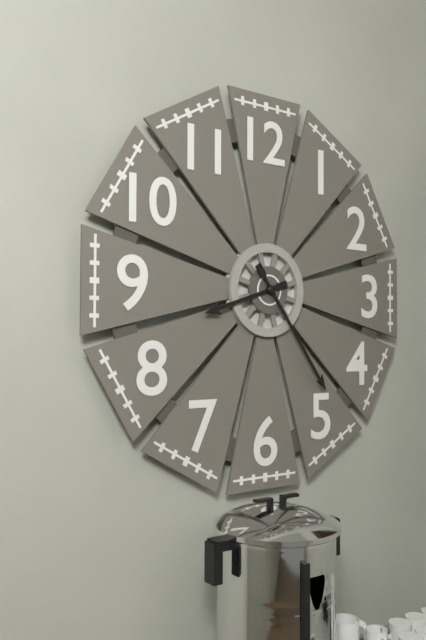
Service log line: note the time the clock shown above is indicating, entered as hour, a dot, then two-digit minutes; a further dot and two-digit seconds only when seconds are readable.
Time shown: 8.24
